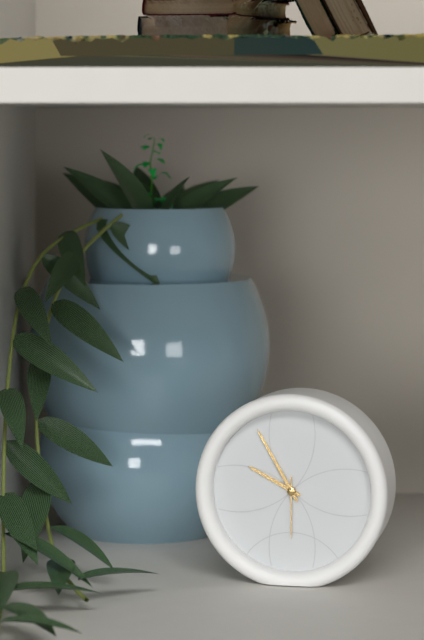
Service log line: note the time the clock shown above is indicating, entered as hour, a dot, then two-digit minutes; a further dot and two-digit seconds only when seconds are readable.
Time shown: 9.55.30
